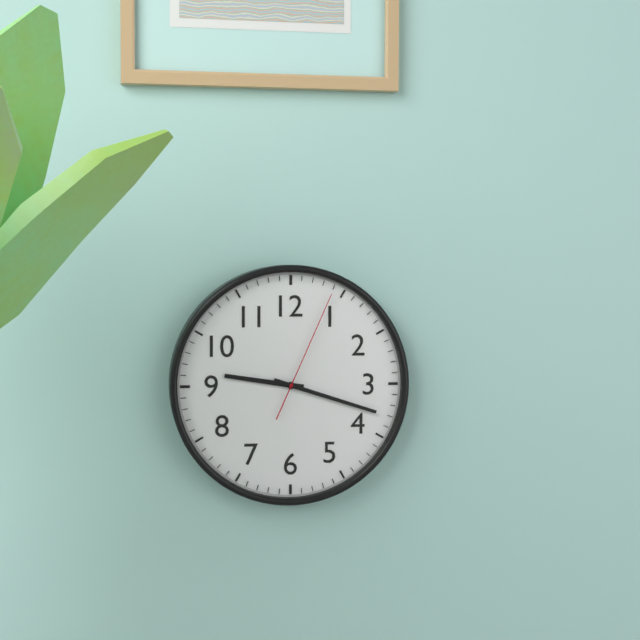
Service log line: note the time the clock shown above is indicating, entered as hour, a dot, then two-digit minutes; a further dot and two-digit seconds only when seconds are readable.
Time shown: 9.18.04
